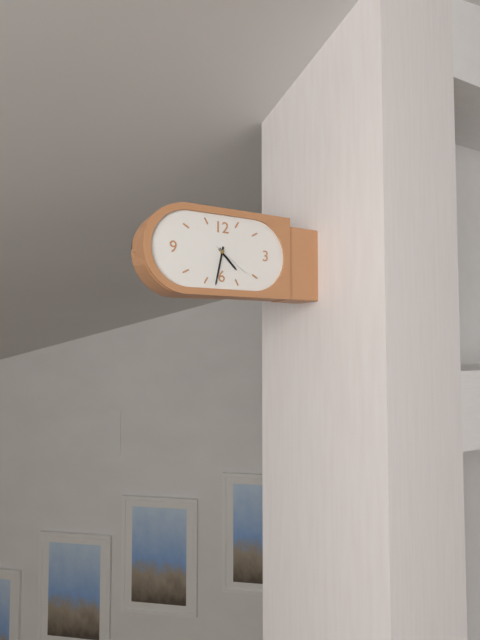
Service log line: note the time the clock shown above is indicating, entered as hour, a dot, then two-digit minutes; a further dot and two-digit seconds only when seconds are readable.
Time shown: 4.32
